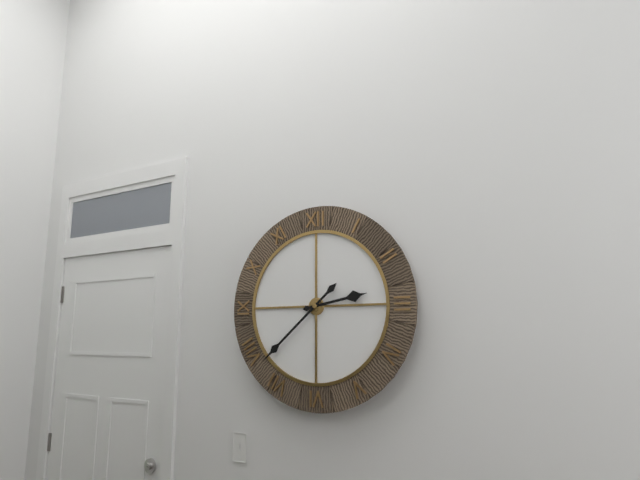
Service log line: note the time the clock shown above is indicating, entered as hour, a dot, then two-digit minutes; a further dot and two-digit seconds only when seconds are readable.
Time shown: 2.38
